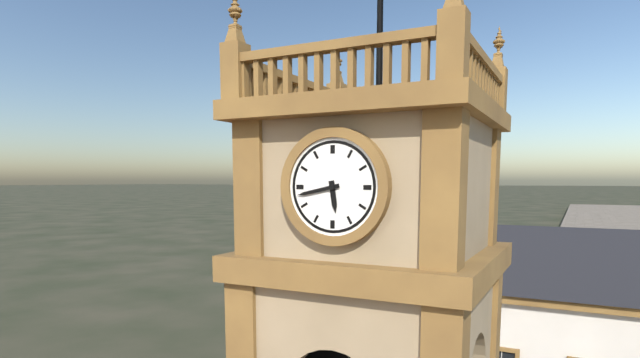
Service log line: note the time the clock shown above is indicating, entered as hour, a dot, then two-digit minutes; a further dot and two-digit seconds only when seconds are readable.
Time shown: 5.43
